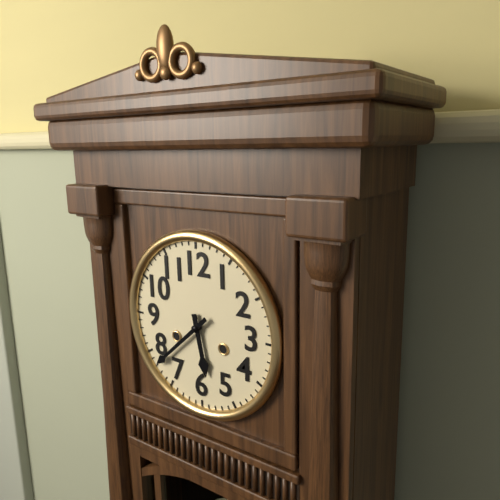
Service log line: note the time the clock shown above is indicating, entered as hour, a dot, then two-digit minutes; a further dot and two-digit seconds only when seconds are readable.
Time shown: 5.38
